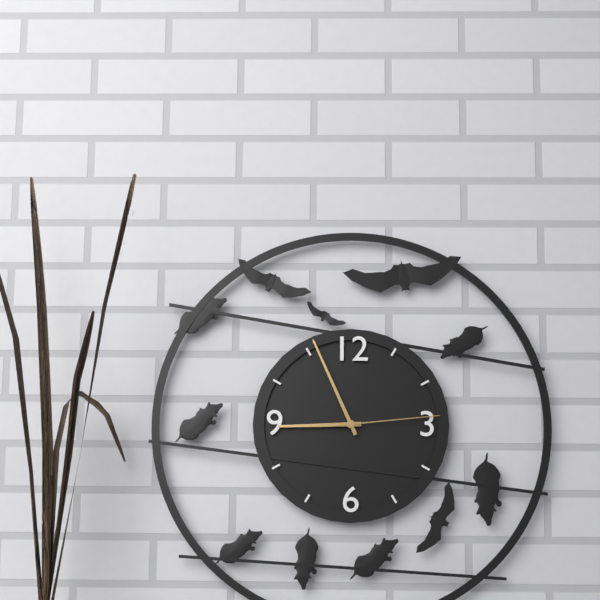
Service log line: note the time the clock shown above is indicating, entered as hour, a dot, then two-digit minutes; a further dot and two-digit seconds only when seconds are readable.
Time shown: 8.56.14
